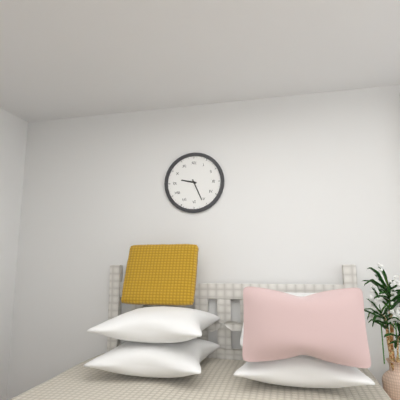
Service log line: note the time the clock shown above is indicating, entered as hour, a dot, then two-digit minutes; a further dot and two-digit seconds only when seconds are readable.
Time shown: 9.26
